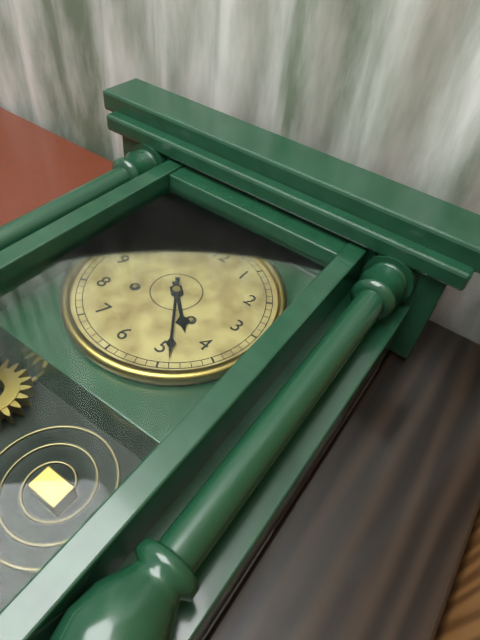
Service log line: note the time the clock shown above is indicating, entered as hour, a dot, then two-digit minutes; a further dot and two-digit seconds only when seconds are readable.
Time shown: 4.24
